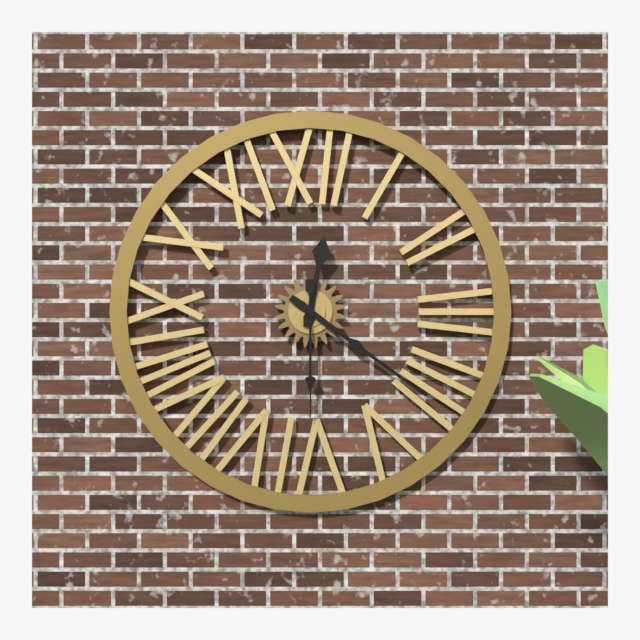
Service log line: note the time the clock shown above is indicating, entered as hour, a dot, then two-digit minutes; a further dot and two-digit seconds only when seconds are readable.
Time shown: 12.21.30
